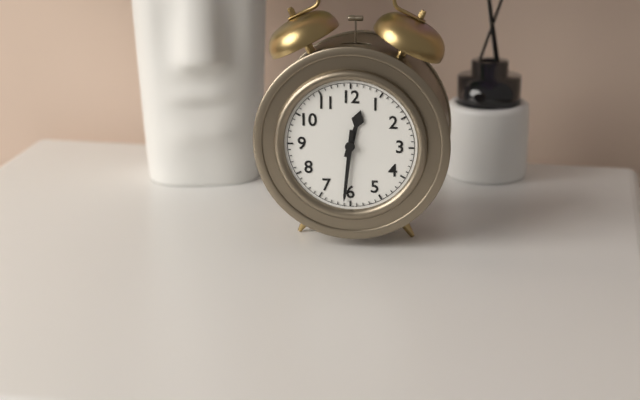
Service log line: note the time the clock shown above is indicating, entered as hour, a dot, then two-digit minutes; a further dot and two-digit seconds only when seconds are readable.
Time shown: 12.31
